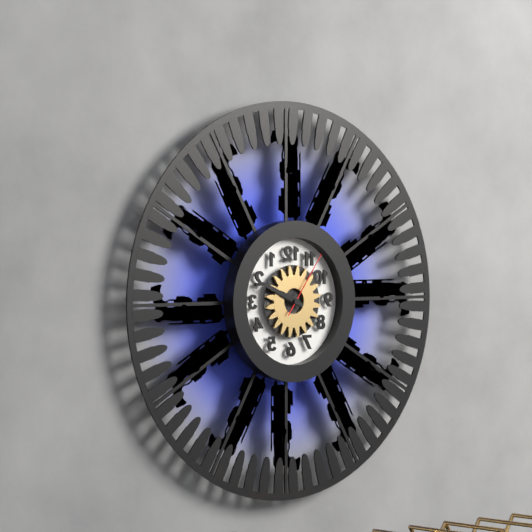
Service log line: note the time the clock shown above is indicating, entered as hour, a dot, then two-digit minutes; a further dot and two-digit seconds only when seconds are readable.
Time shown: 9.49.06
